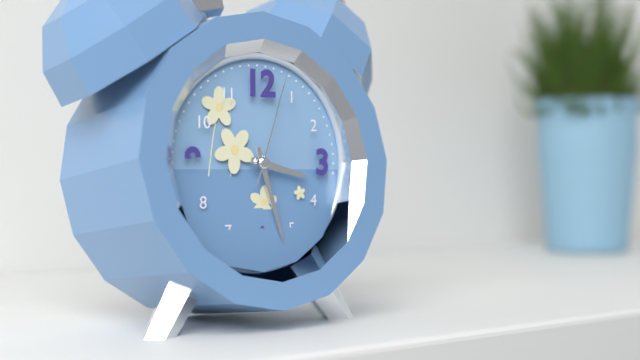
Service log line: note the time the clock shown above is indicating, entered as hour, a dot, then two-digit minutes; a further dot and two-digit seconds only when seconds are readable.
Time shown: 3.27.03
